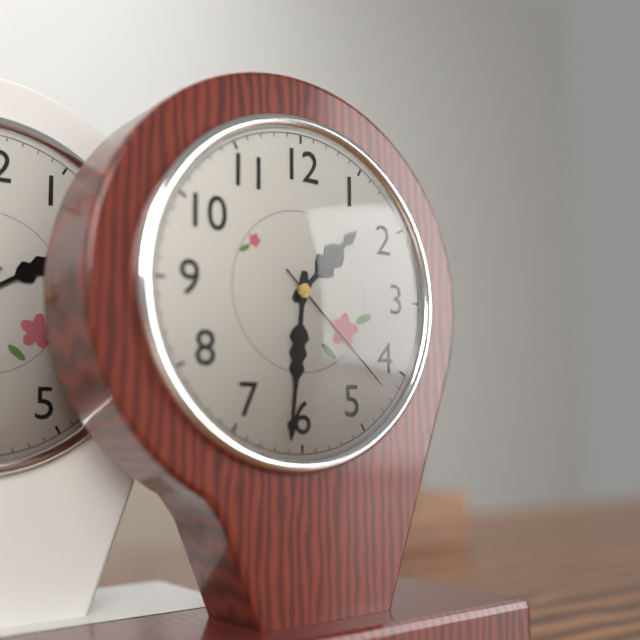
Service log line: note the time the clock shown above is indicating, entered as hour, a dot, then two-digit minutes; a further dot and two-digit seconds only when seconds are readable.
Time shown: 1.31.22
